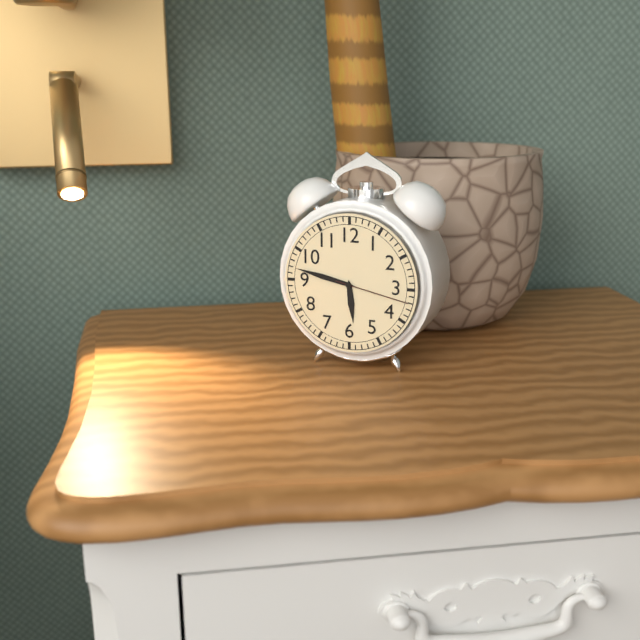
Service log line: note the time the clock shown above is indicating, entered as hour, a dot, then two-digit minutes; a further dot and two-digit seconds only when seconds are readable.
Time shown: 5.47.17
